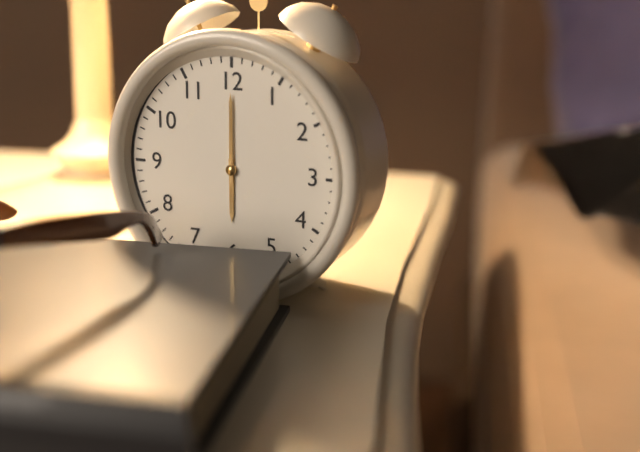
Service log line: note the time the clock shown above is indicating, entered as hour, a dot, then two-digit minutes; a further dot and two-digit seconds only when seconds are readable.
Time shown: 6.00
